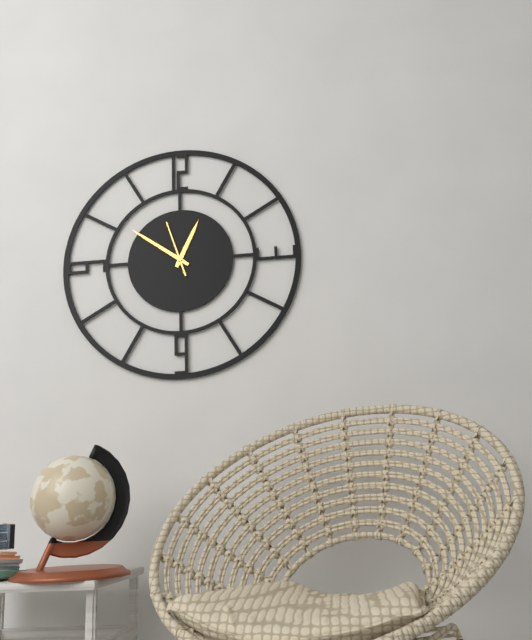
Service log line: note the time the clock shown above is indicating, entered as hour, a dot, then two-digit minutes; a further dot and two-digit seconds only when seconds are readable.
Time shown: 12.51.57
